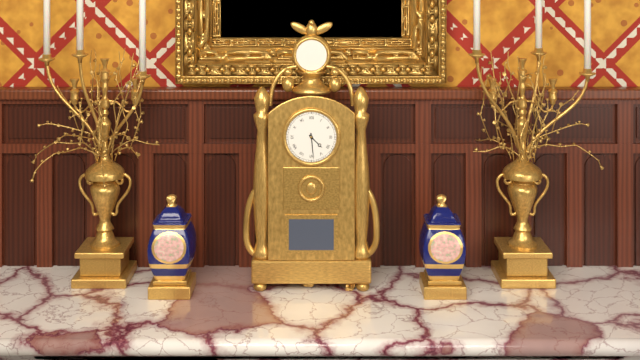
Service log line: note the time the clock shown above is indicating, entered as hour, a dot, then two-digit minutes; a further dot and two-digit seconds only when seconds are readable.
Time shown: 4.29
